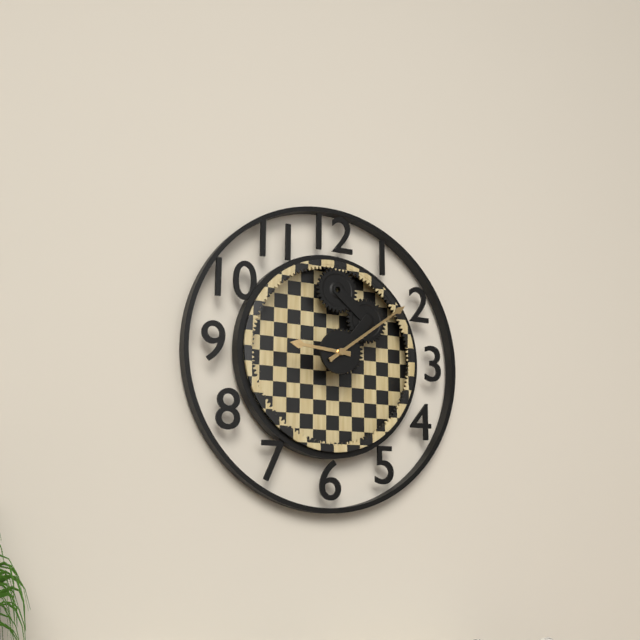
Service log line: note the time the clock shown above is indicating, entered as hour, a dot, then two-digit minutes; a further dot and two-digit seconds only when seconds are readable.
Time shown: 9.09
